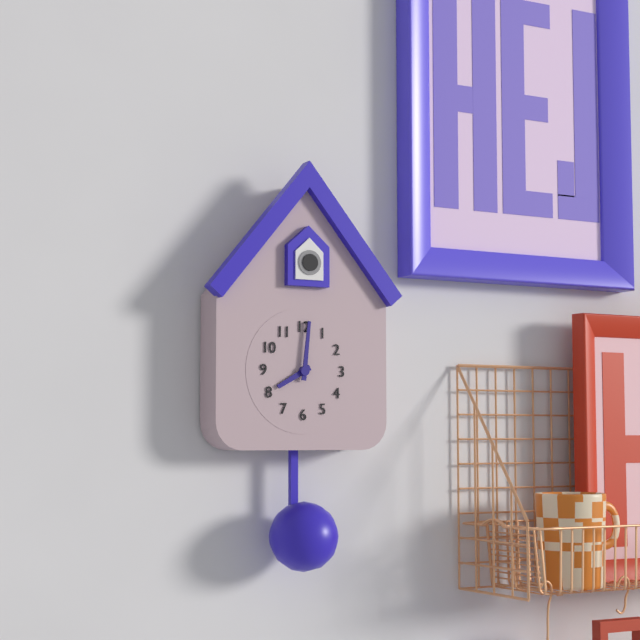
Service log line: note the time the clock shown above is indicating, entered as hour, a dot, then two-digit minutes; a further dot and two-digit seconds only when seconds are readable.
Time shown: 8.01
